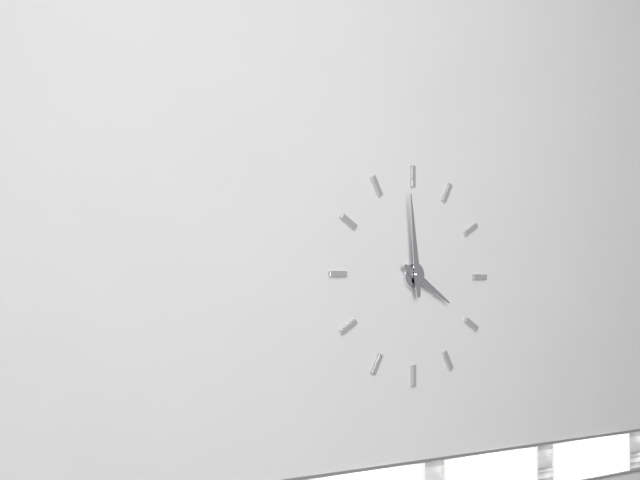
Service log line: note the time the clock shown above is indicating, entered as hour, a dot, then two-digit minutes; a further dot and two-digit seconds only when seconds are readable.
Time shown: 3.59
